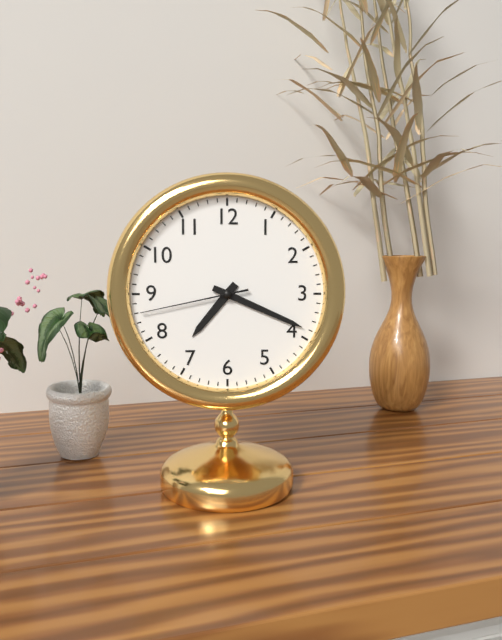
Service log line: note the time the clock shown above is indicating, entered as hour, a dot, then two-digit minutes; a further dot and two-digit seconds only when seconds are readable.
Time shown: 7.19.43
